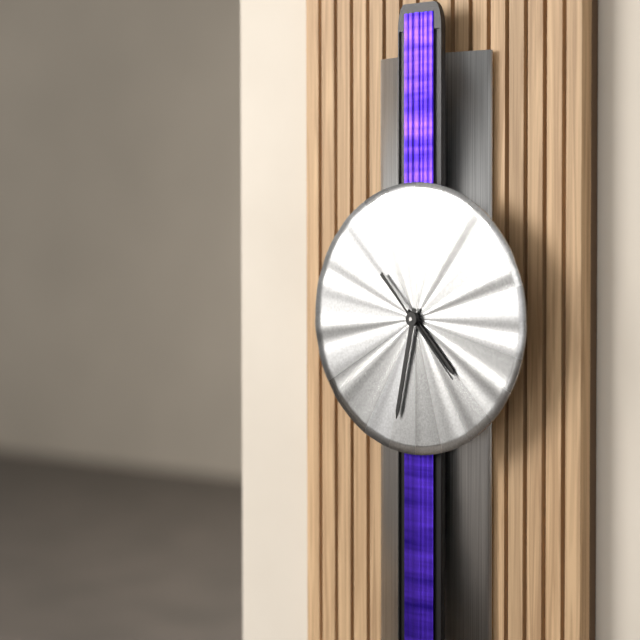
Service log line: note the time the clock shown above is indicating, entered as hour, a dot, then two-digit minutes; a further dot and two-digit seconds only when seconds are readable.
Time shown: 4.32.23
